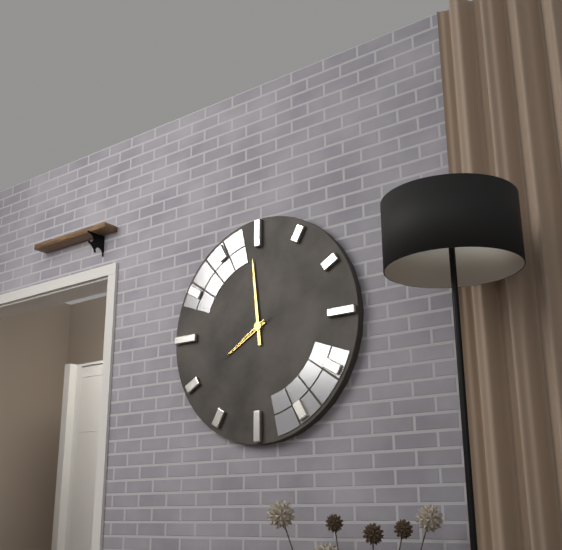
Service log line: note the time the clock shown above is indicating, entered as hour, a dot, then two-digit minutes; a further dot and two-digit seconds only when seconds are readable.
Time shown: 7.59.40
